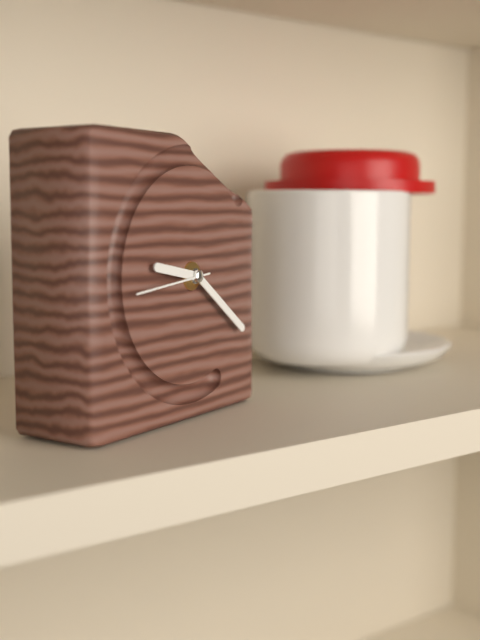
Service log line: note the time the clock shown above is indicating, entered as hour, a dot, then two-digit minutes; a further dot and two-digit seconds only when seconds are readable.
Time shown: 9.21.44
